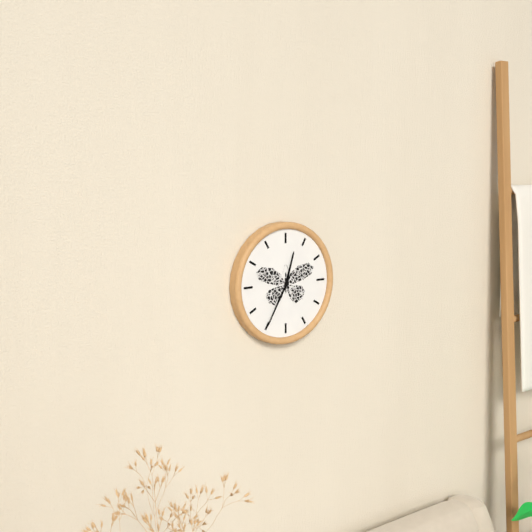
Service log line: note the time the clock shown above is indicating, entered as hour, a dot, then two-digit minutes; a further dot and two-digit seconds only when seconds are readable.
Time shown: 12.35
